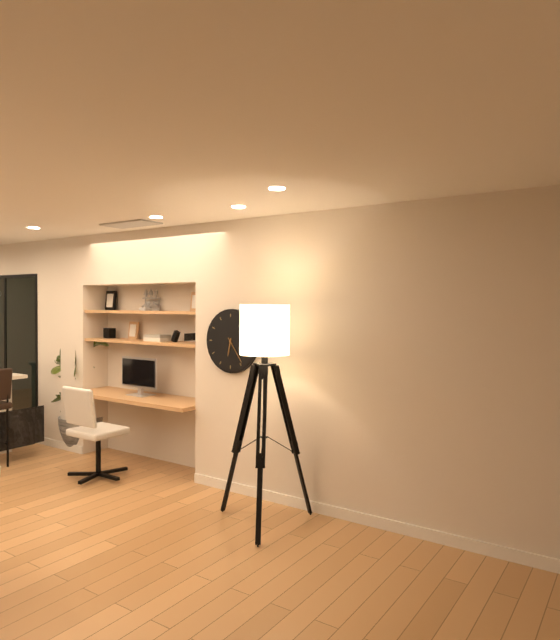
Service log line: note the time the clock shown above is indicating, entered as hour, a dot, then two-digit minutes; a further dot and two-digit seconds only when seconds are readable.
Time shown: 6.24
